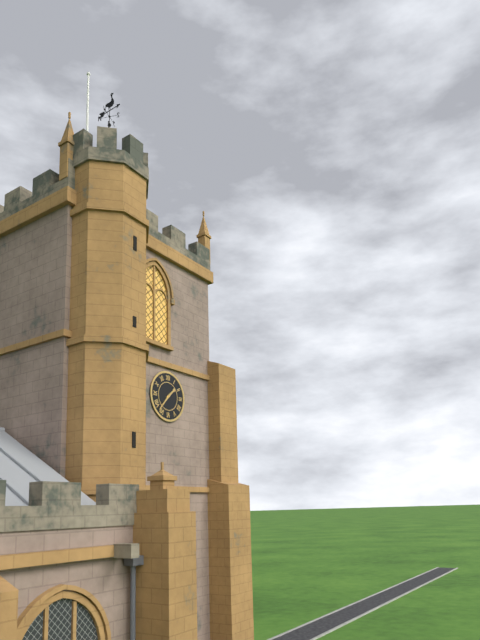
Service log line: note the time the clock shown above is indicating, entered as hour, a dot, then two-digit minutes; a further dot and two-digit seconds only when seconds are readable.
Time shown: 1.37
